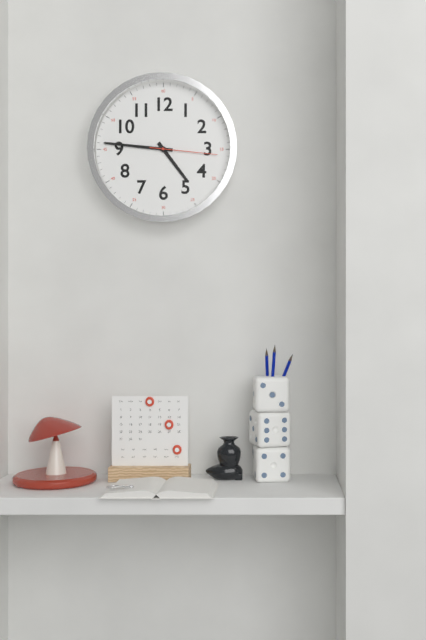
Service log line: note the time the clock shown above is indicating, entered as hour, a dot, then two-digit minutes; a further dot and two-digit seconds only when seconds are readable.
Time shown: 4.46.16
